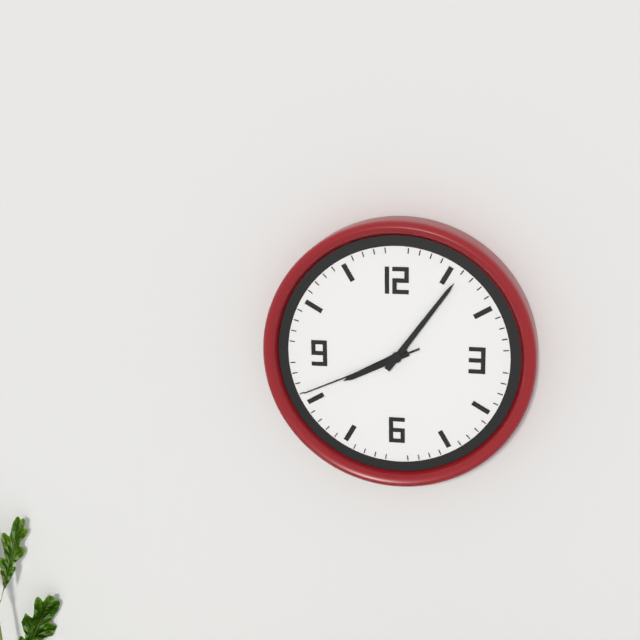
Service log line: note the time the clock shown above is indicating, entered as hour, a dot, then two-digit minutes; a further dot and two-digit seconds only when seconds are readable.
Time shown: 8.06.41
